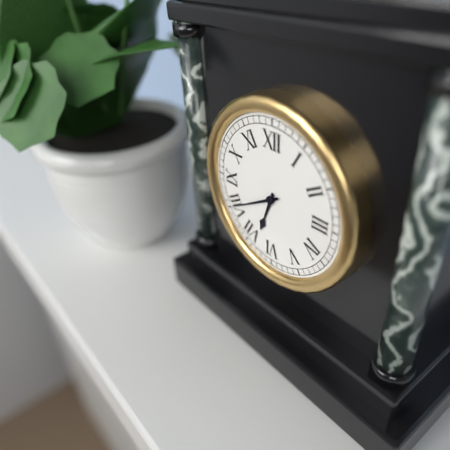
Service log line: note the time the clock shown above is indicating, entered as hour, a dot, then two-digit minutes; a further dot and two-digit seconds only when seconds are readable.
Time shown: 6.40
